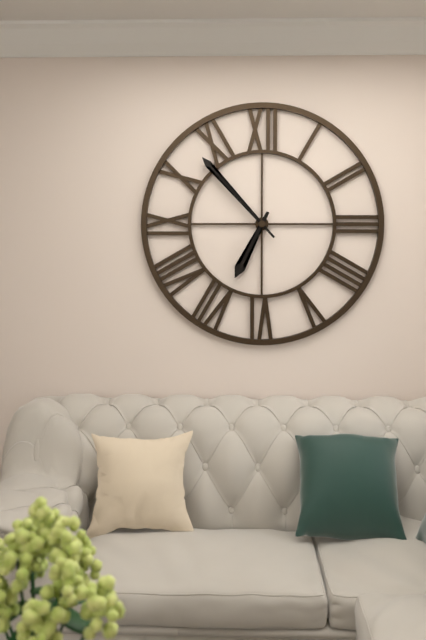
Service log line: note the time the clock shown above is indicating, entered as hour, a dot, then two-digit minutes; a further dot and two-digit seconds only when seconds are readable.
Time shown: 6.53
